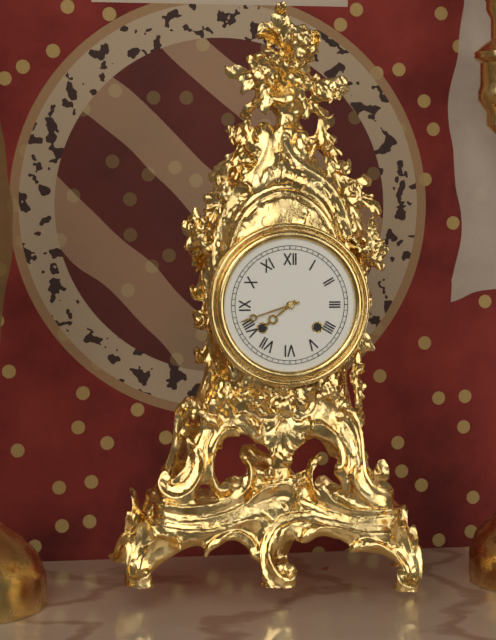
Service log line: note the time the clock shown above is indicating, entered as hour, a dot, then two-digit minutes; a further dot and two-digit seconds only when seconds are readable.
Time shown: 7.42
